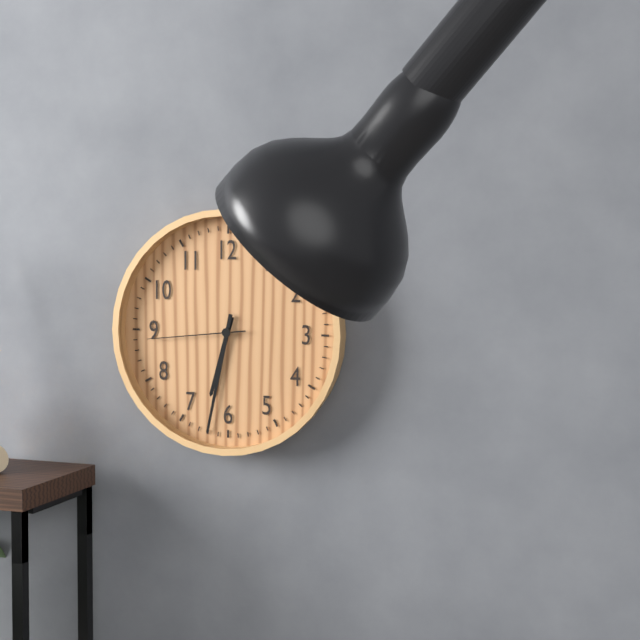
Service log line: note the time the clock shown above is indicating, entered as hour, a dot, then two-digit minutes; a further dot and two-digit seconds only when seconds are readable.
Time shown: 6.32.44
